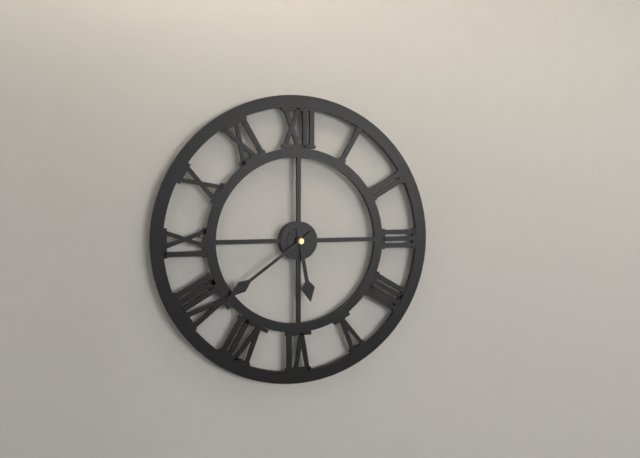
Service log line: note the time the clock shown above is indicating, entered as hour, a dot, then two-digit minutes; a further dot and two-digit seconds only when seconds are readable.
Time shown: 5.39
